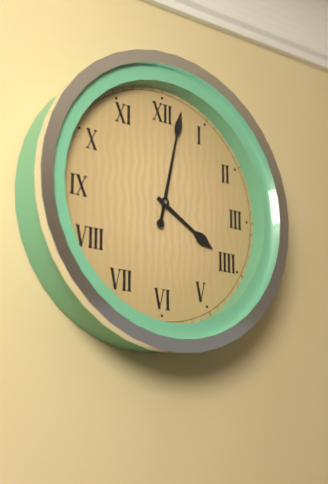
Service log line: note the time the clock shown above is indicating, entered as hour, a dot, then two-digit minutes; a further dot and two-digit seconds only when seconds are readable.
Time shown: 4.02
